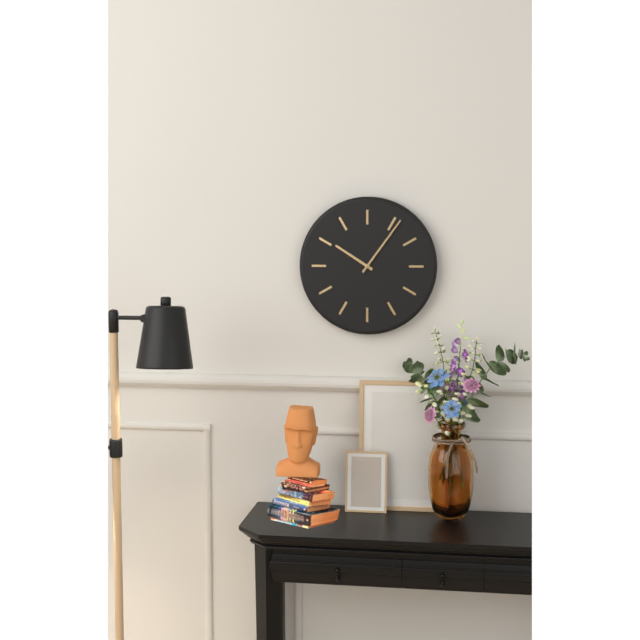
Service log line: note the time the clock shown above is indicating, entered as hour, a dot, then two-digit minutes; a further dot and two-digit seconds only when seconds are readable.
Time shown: 10.06
